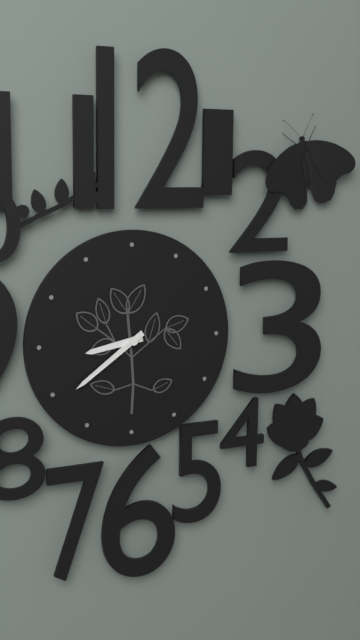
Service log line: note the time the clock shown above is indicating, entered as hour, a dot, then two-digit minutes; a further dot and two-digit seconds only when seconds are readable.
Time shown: 8.39
